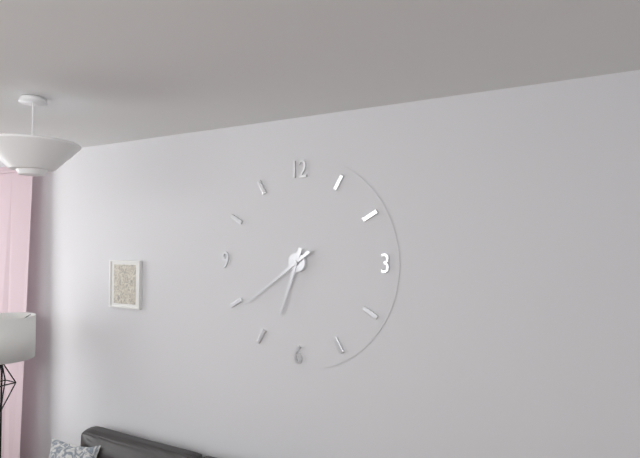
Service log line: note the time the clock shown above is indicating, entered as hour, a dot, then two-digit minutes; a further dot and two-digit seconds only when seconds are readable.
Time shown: 6.39
